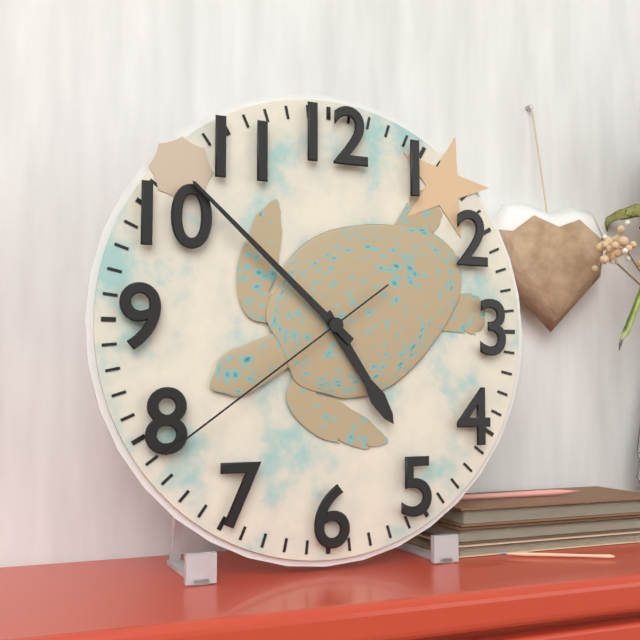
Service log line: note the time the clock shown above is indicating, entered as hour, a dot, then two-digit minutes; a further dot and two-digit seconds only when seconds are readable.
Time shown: 4.52.39
